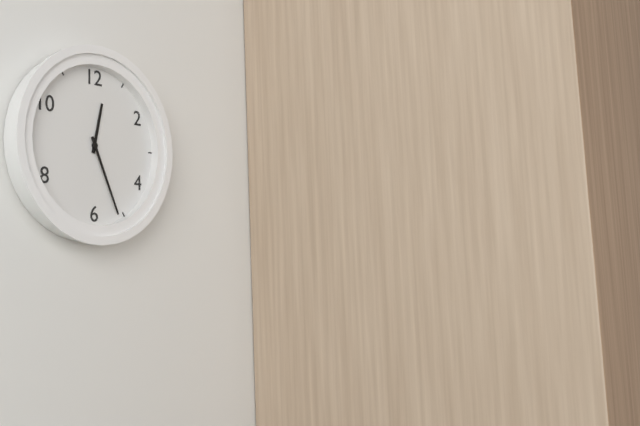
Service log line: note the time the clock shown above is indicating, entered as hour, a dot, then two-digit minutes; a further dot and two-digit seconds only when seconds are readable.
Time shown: 12.26
